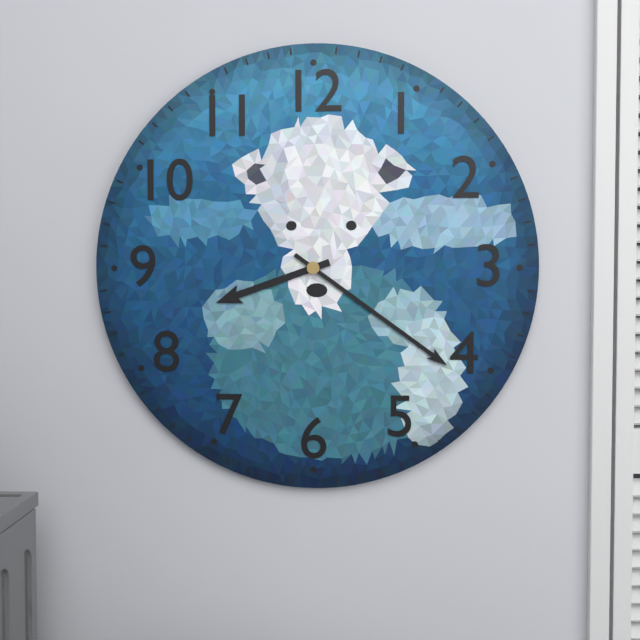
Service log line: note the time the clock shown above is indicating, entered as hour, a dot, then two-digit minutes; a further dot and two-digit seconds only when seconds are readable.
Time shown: 8.21
